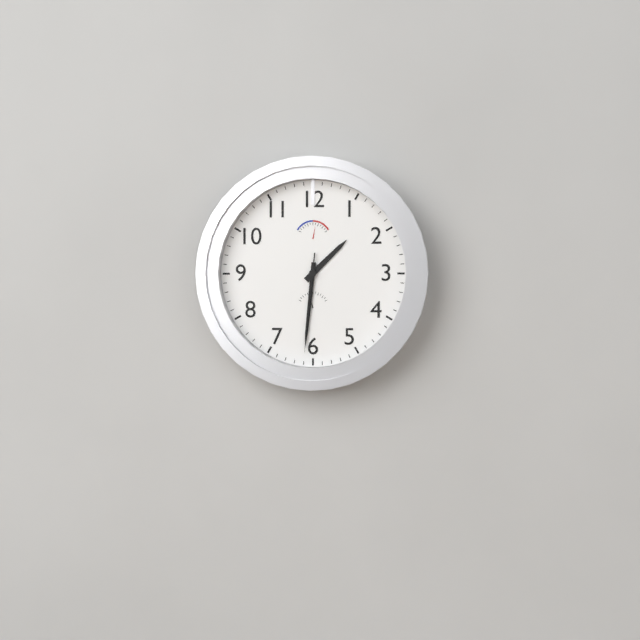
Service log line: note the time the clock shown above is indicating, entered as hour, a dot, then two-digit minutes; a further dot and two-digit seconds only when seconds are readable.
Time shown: 1.31.31
